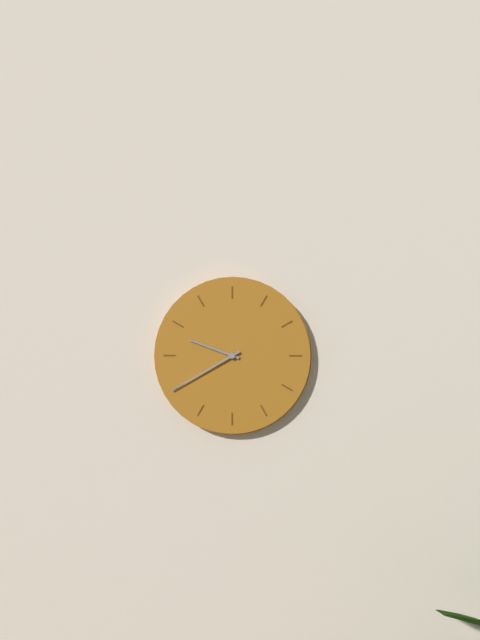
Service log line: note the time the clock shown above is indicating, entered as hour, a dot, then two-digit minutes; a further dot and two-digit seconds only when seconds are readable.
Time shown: 9.40
